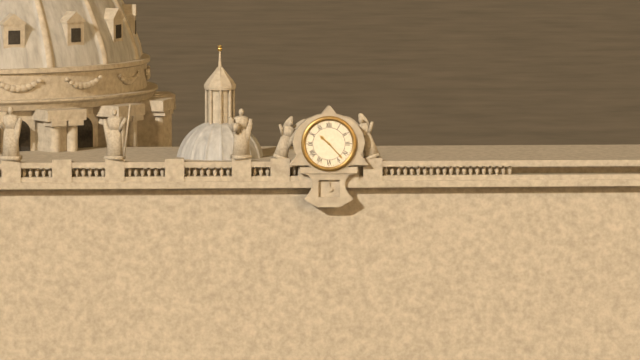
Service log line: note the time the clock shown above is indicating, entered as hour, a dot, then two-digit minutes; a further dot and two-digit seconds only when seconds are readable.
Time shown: 10.23
